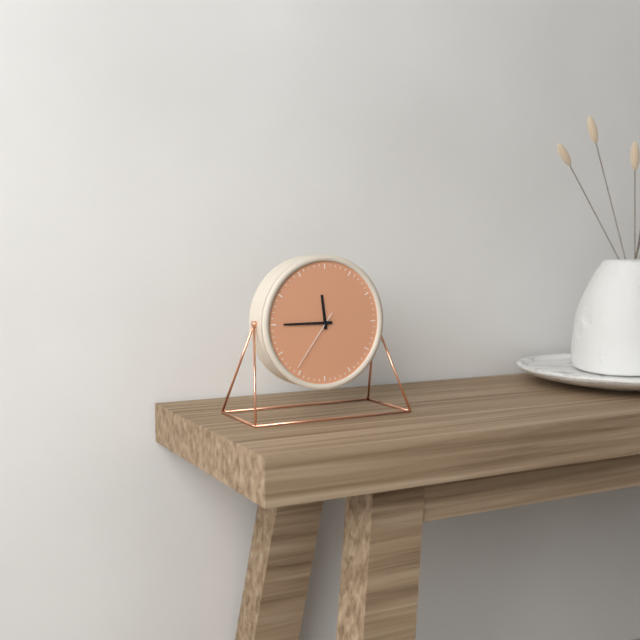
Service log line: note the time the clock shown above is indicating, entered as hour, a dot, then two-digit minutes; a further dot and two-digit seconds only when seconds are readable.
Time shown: 11.45.36
